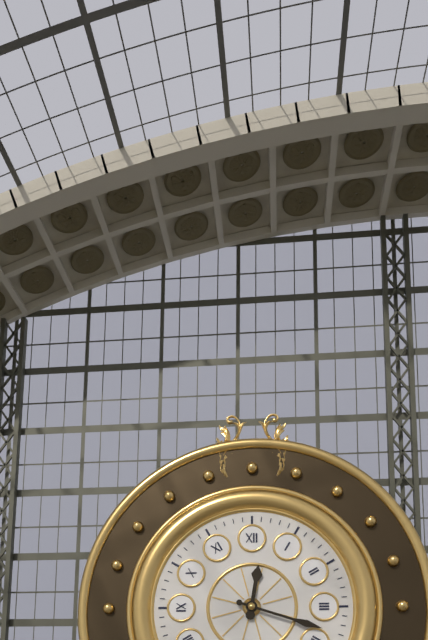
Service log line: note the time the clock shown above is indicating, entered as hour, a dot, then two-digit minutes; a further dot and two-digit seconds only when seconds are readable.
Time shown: 12.18
